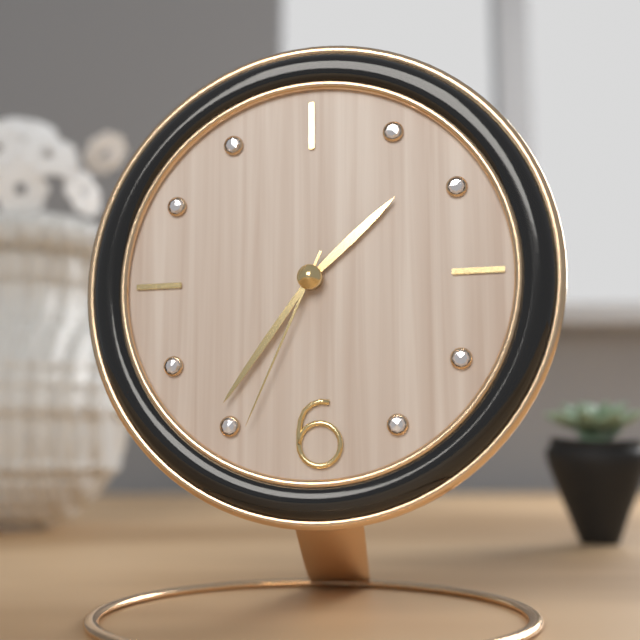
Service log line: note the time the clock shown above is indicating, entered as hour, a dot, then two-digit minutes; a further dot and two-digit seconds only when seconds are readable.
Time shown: 1.36.34
